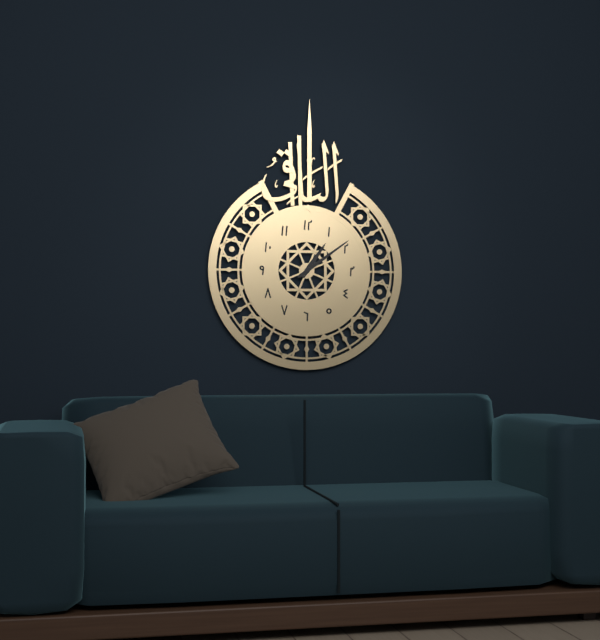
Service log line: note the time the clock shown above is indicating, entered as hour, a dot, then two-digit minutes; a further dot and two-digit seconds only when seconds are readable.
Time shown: 1.09
